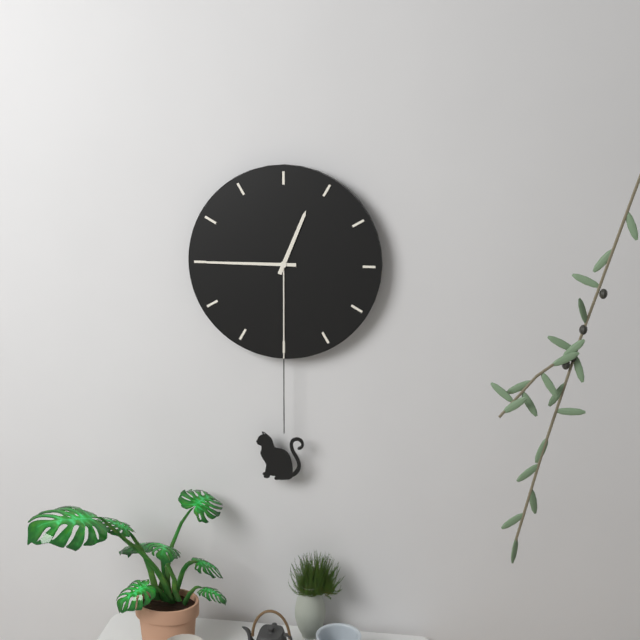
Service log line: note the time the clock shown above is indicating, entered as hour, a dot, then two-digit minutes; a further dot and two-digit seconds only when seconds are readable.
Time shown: 12.45
